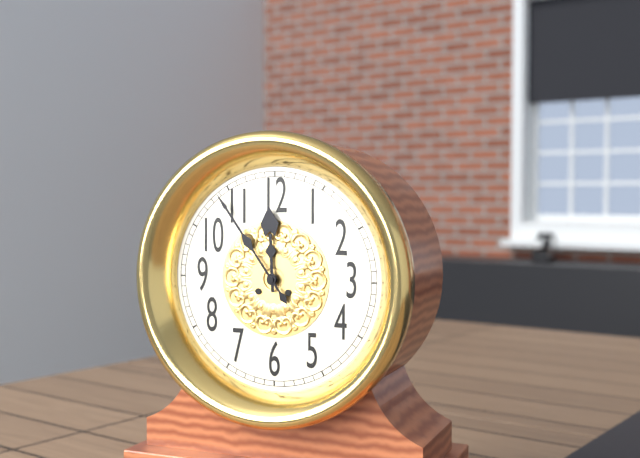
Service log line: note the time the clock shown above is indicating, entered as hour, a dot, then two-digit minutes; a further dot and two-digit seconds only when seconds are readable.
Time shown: 11.54
